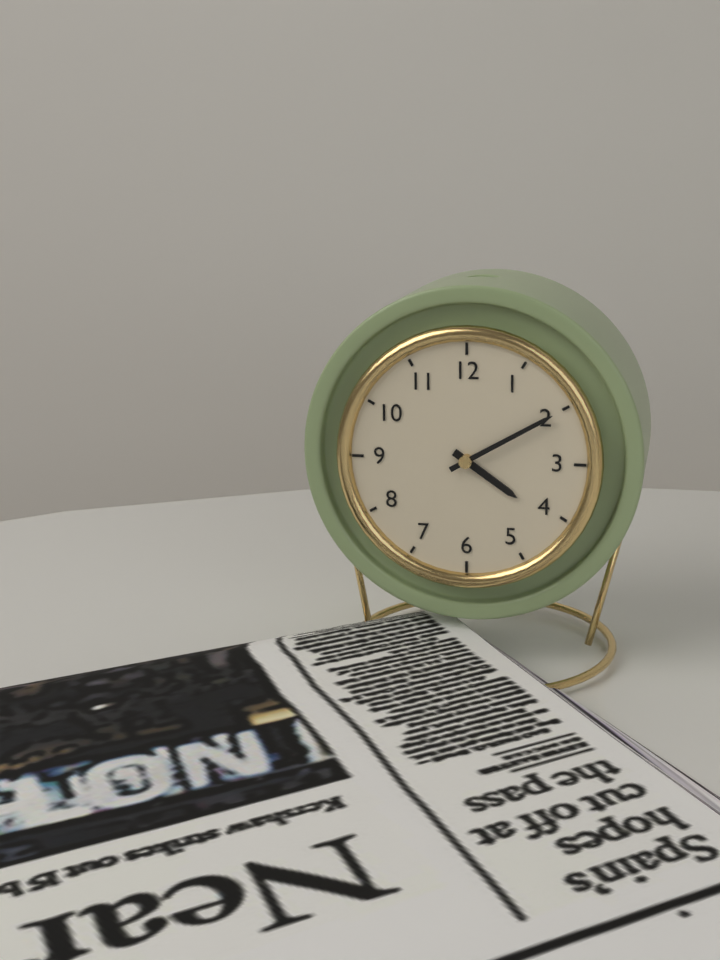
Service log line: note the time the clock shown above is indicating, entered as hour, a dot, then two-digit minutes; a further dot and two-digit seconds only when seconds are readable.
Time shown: 4.10
